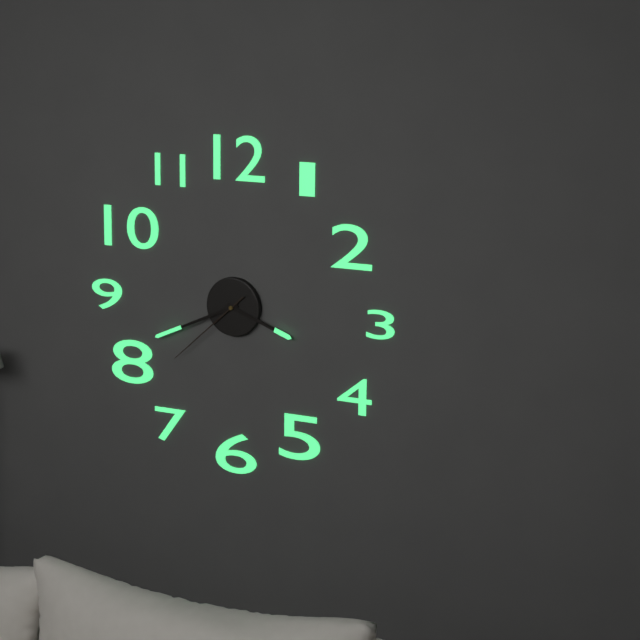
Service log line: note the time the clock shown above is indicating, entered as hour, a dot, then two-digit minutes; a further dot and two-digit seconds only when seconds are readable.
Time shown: 3.41.38
